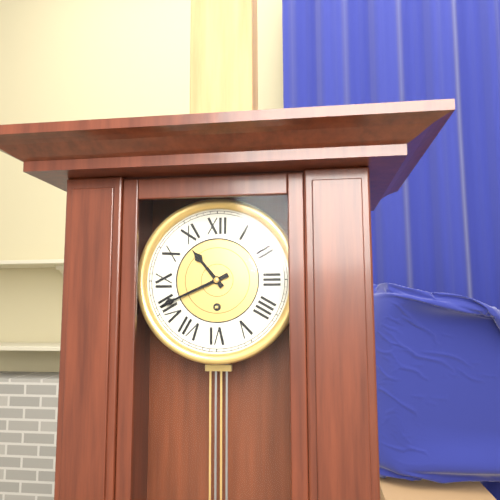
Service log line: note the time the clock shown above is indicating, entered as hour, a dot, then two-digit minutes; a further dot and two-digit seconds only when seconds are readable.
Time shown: 10.41
